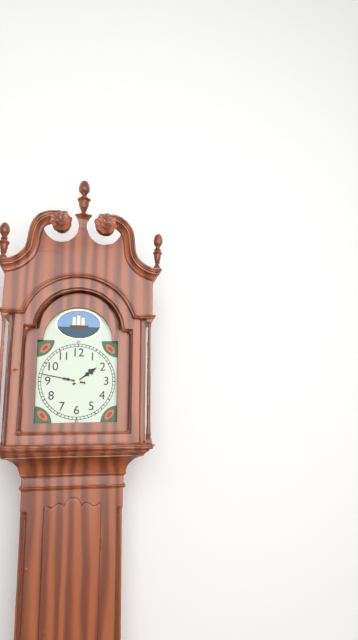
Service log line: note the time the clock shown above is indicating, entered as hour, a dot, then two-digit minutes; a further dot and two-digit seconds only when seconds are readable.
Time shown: 1.47
